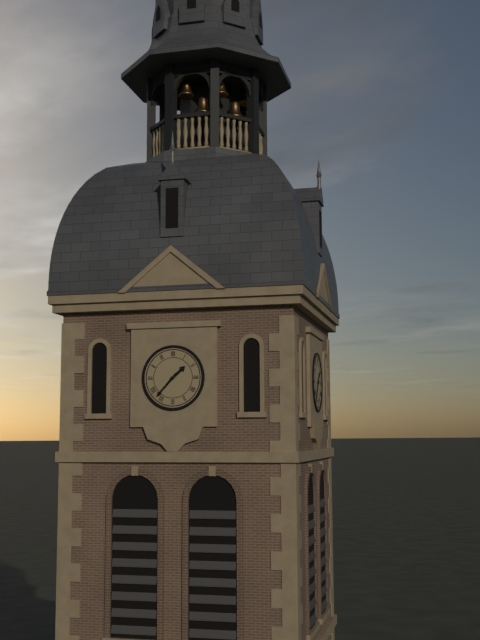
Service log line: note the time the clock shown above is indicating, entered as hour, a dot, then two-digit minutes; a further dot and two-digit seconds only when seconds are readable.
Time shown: 1.37
